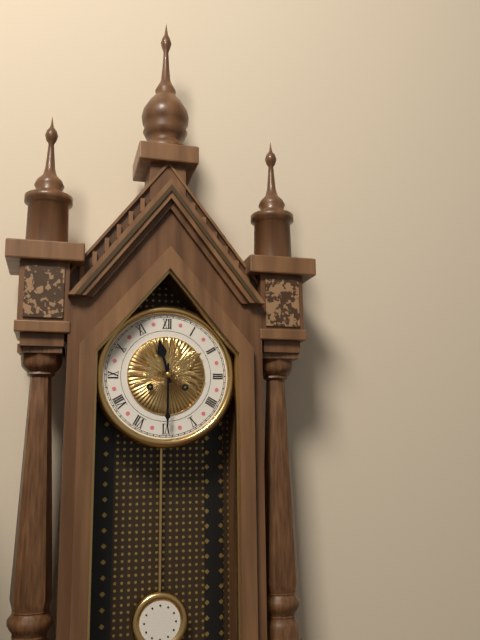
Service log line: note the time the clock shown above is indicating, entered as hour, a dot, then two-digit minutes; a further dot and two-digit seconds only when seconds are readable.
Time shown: 11.30
